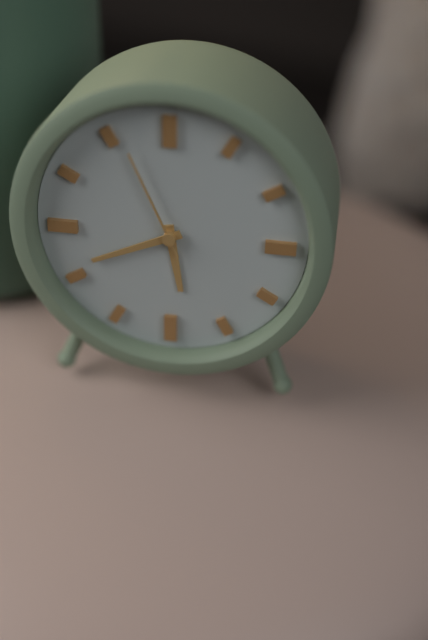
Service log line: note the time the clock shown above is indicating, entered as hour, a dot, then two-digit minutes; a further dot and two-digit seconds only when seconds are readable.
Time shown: 5.41.56
